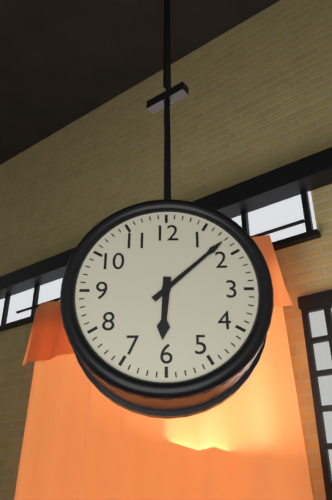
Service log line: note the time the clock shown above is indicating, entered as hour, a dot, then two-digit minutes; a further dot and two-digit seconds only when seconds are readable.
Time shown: 6.08
